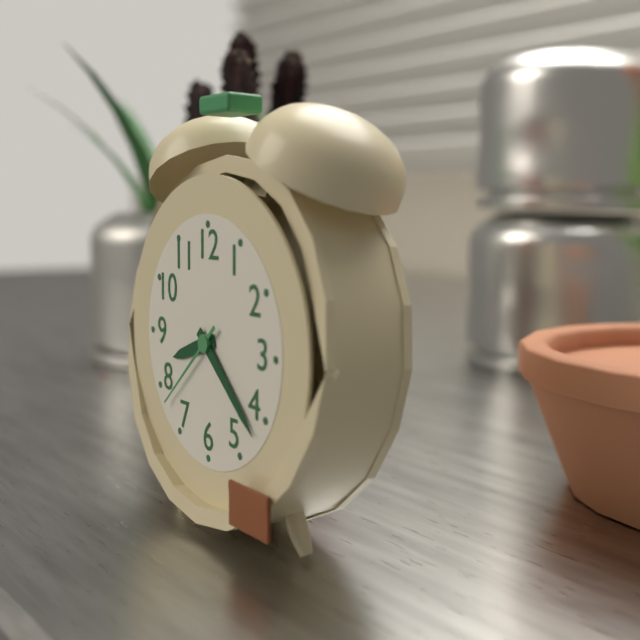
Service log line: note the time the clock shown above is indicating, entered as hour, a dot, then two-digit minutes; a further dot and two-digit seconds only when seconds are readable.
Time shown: 8.22.38
